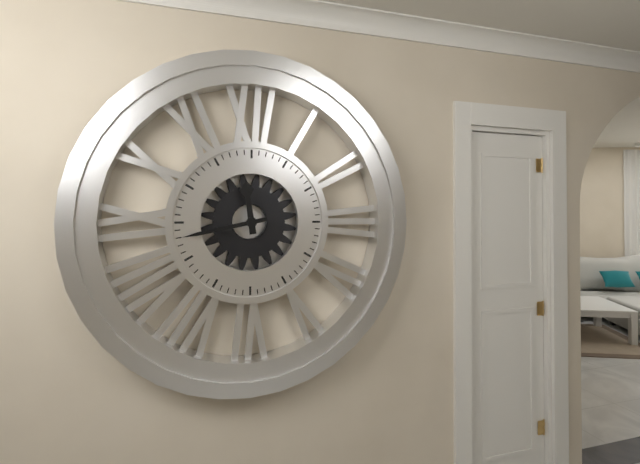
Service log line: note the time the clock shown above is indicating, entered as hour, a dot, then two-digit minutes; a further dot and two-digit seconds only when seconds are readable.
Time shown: 11.43
